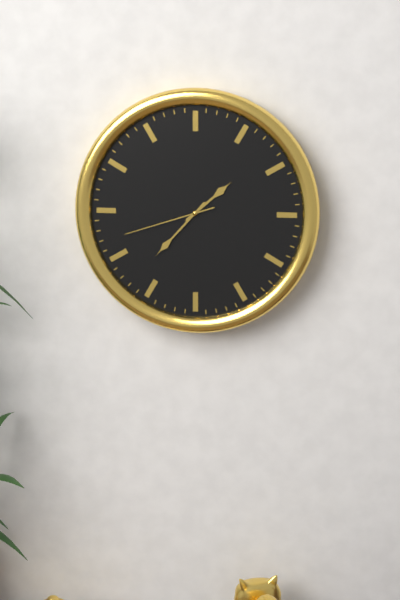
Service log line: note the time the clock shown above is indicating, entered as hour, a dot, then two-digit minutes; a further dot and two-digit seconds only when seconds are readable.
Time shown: 1.37.42
